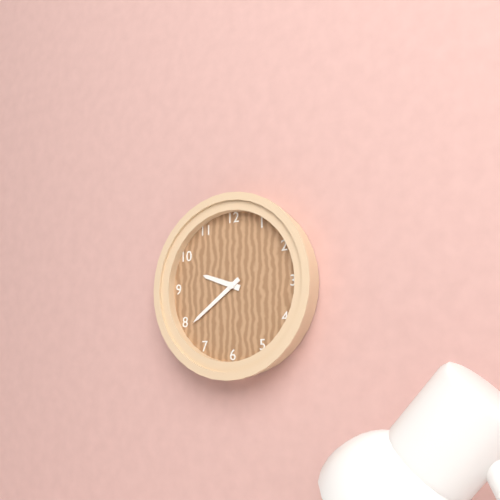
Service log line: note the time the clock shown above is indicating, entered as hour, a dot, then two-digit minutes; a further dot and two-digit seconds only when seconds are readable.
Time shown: 9.39
